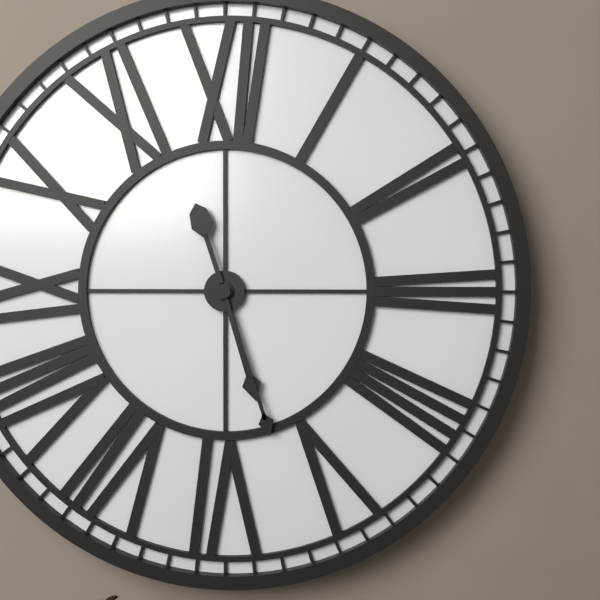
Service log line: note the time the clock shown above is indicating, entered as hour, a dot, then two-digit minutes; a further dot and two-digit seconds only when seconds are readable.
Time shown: 5.27
